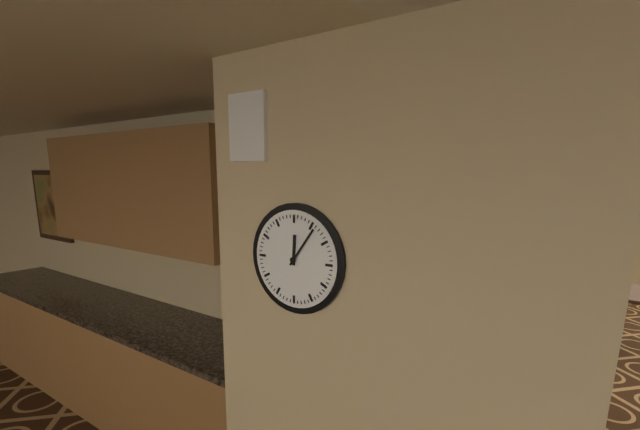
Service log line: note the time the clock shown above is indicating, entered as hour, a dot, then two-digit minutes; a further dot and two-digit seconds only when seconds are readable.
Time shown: 12.06
